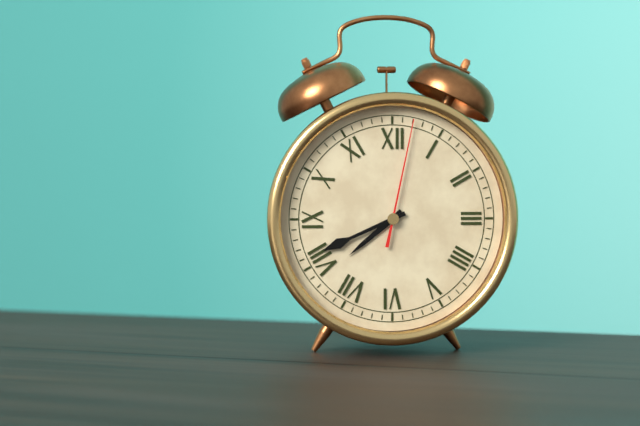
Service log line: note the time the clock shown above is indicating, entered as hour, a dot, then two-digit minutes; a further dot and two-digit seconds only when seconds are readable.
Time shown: 7.41.02
